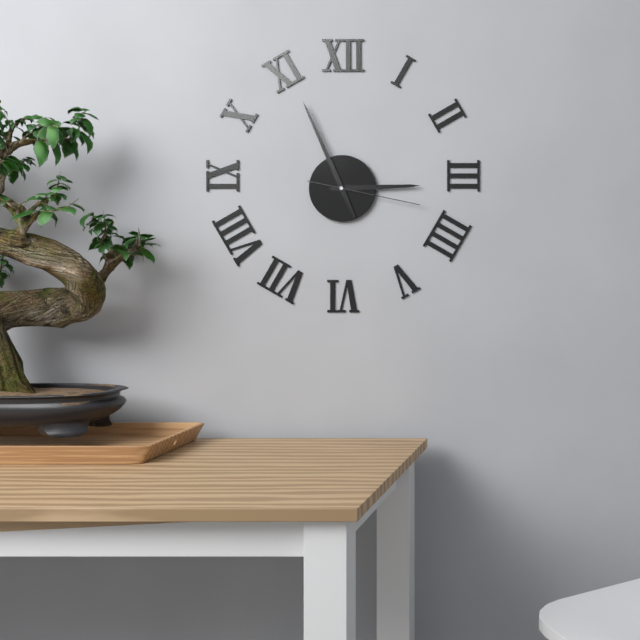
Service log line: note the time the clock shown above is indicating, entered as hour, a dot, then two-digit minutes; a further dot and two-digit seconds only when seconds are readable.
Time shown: 2.56.17
